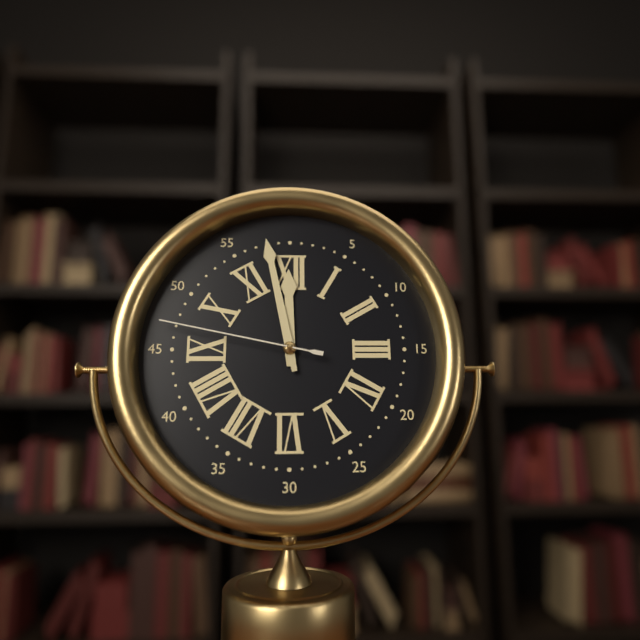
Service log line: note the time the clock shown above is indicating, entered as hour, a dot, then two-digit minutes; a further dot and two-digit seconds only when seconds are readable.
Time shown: 11.58.47
